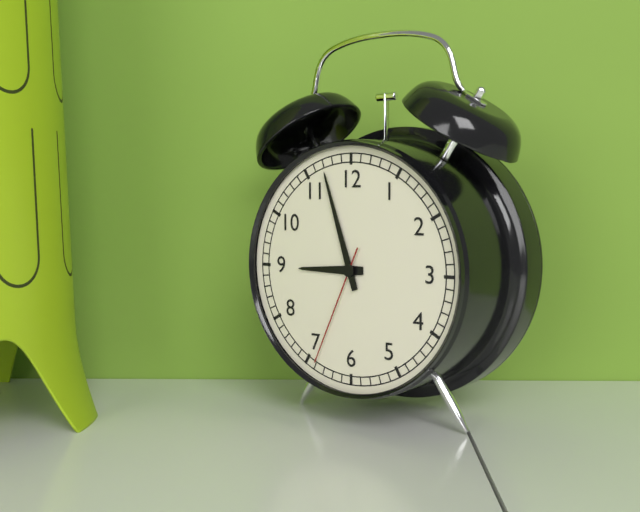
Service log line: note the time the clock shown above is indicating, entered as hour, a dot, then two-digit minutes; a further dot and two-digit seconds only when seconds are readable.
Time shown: 8.57.34
